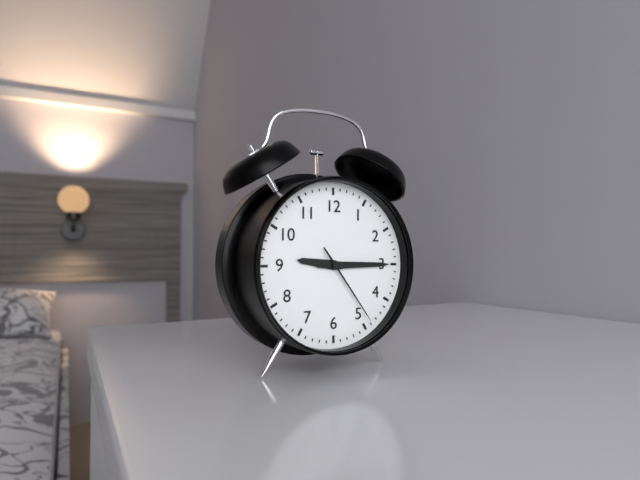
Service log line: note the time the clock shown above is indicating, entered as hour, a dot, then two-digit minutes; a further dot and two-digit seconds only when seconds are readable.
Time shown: 9.15.24
